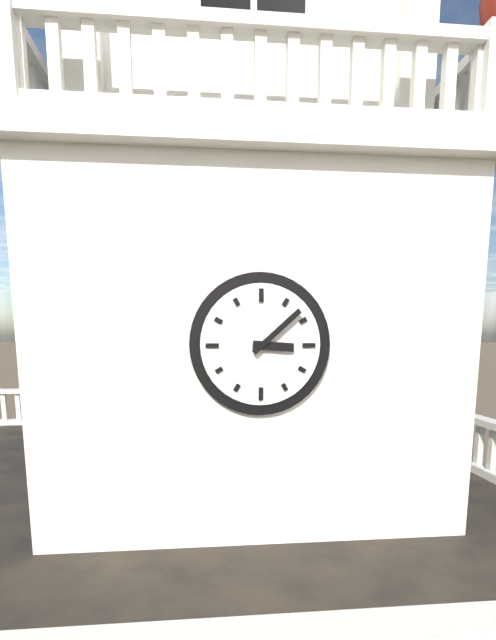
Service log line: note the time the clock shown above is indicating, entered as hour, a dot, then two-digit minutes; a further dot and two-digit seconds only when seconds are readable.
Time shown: 3.08
